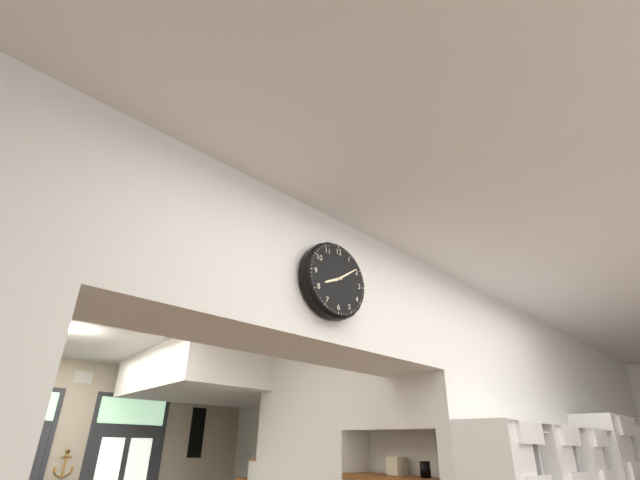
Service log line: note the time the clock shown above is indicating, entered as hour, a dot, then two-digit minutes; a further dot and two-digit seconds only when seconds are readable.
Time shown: 8.09
